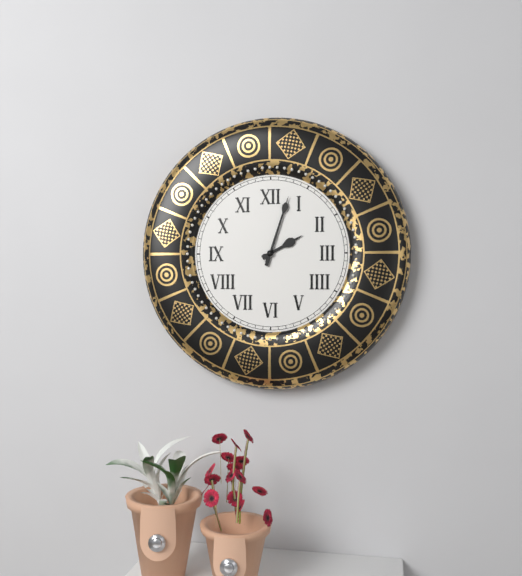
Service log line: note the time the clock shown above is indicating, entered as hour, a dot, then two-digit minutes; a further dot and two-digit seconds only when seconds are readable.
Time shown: 2.03
